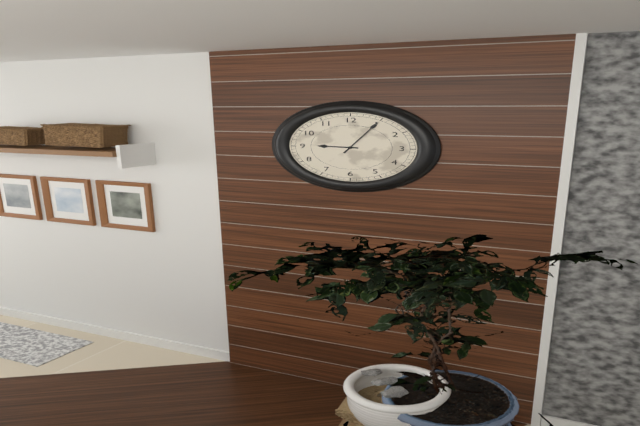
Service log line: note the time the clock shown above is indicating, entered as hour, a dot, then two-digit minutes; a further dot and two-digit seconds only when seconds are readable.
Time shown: 9.05
